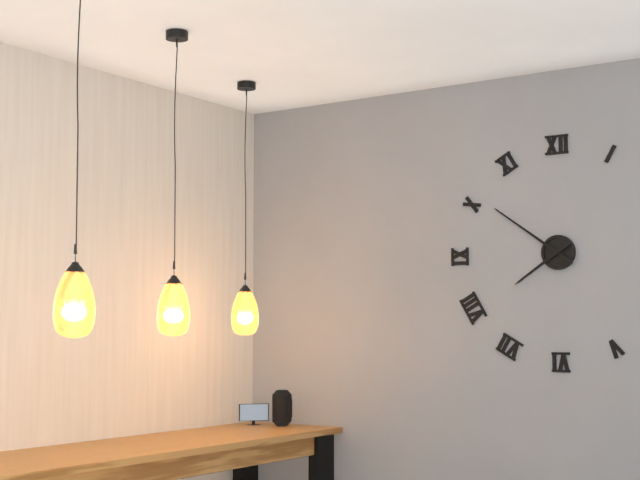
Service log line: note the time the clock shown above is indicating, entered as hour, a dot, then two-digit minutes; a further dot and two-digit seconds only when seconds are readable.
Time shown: 7.51
